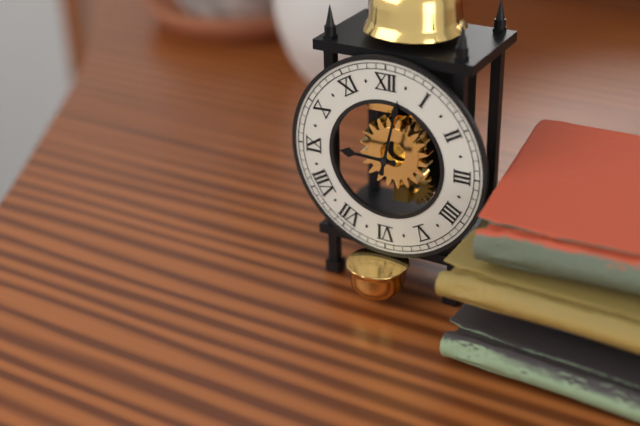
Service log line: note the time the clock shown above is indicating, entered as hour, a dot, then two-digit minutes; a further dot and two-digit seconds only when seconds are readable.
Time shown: 9.02
